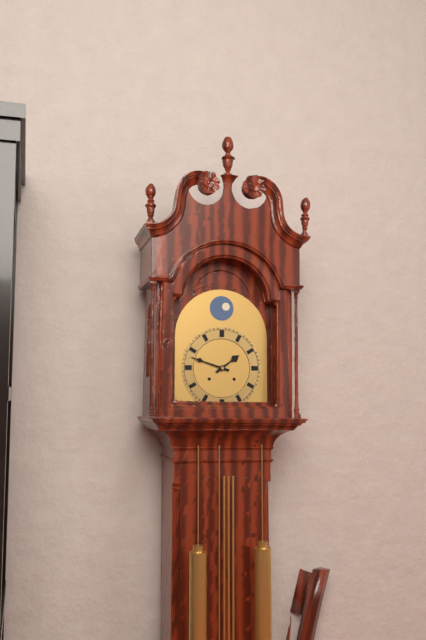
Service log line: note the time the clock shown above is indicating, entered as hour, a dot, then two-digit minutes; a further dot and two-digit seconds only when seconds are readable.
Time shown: 1.48
